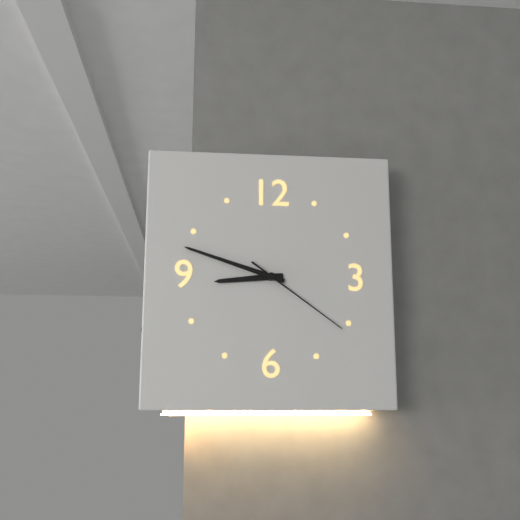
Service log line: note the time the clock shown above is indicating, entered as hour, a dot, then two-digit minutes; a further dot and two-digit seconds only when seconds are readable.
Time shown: 8.48.21
